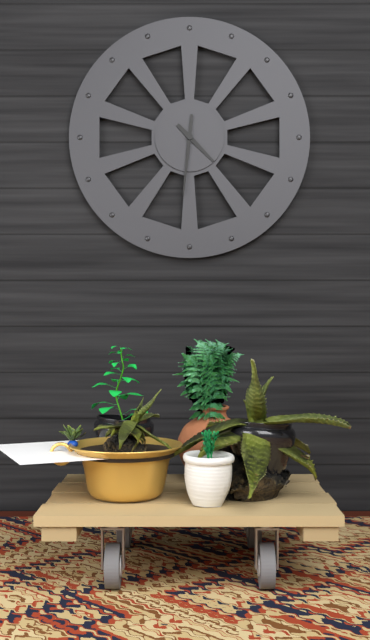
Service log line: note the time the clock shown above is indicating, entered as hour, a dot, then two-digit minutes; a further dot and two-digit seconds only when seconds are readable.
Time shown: 4.31
